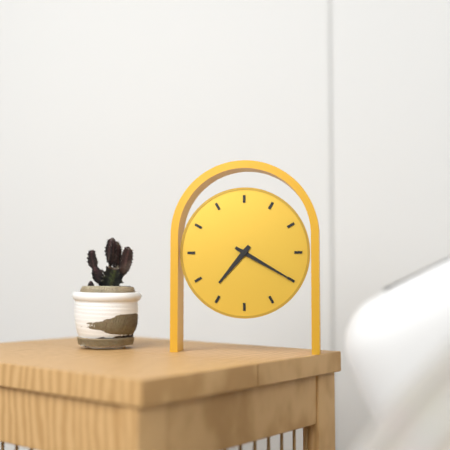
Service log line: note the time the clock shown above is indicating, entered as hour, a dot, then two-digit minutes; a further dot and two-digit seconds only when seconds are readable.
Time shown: 7.20
